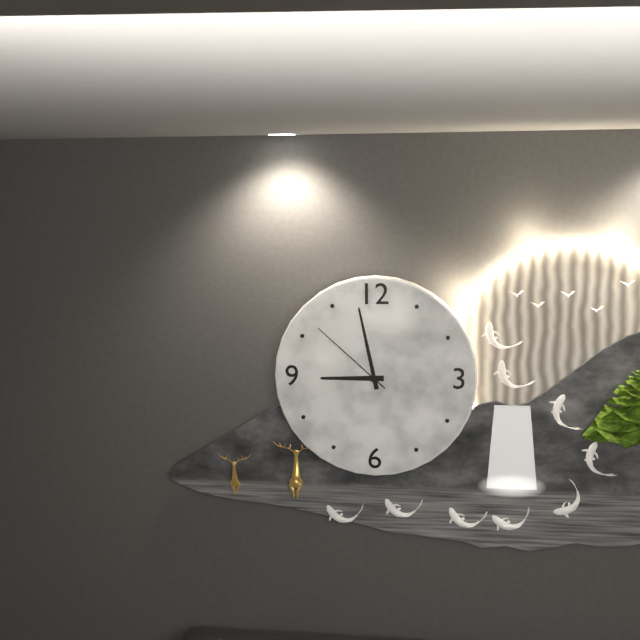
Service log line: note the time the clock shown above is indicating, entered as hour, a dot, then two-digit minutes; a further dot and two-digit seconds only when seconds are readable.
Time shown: 8.58.52
